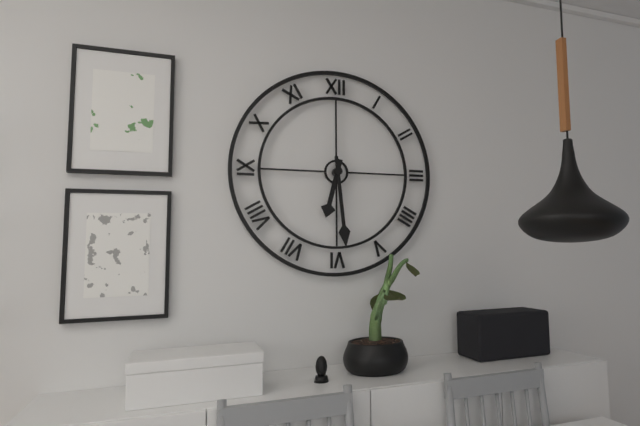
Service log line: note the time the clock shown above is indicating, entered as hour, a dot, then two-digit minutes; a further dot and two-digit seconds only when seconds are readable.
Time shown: 6.29
